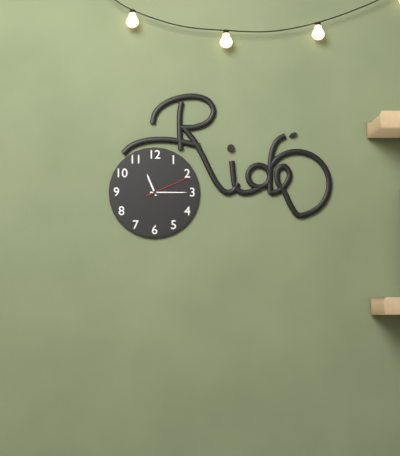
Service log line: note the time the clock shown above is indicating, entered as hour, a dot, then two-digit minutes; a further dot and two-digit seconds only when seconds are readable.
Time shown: 11.15
